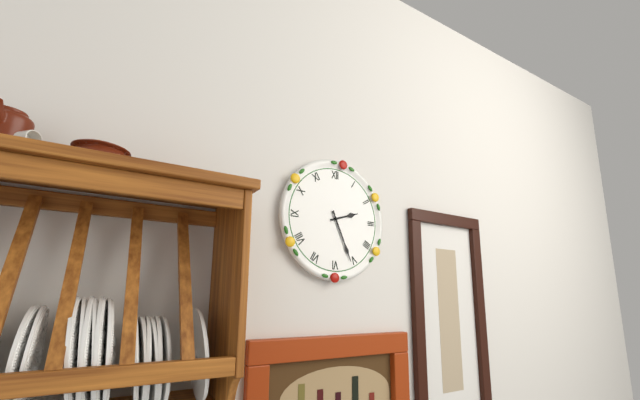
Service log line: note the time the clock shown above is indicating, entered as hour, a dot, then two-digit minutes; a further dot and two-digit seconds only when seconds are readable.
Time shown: 2.26
